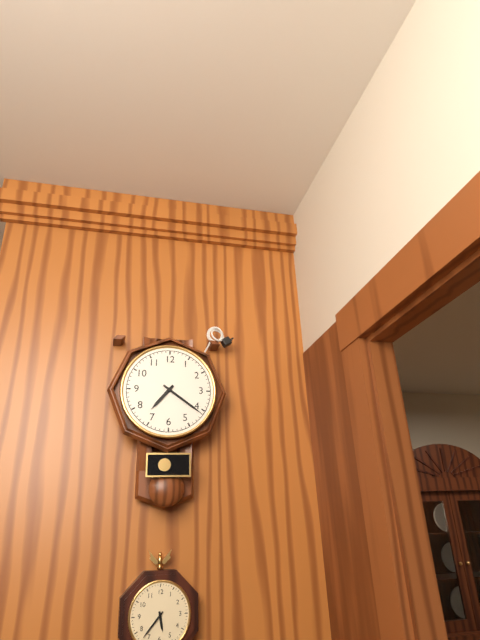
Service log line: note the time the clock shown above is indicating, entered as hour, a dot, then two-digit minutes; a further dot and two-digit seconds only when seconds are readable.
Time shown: 7.21
